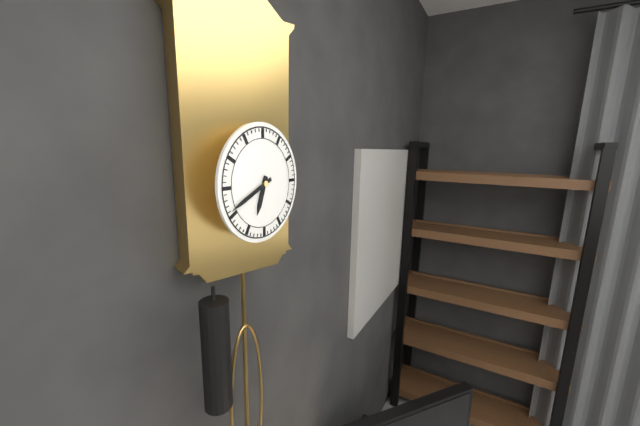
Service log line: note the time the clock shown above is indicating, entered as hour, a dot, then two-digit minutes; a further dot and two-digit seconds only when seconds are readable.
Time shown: 6.41
